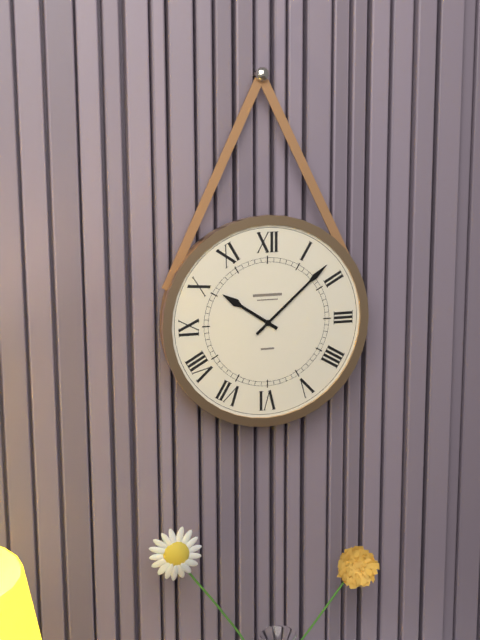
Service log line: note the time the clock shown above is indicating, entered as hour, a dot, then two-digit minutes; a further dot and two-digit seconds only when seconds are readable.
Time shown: 10.08
